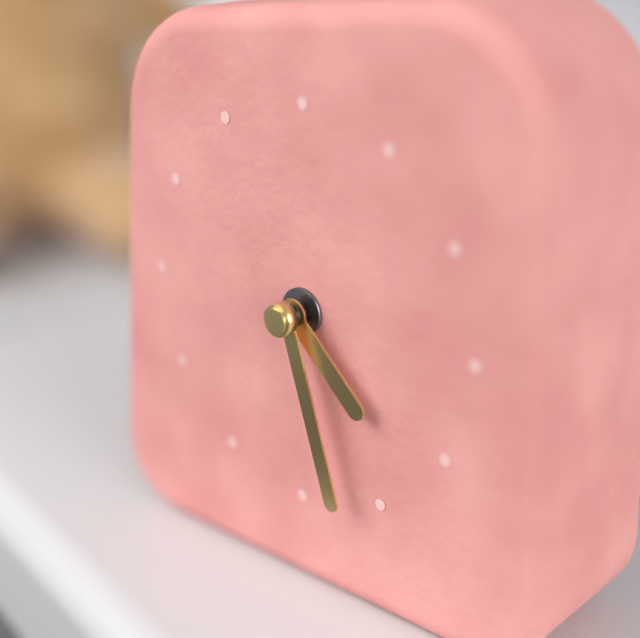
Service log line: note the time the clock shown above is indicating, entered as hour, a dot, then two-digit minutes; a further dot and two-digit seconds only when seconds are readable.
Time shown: 4.27
